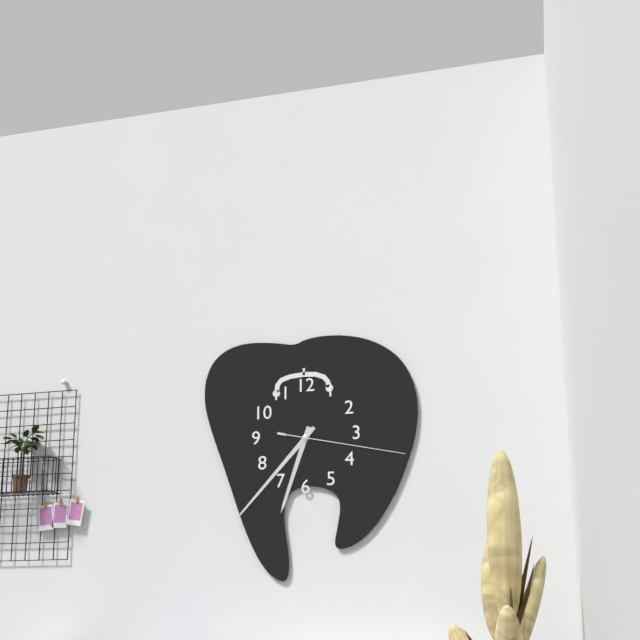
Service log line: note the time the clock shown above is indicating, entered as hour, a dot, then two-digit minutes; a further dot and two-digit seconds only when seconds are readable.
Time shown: 6.37.17
